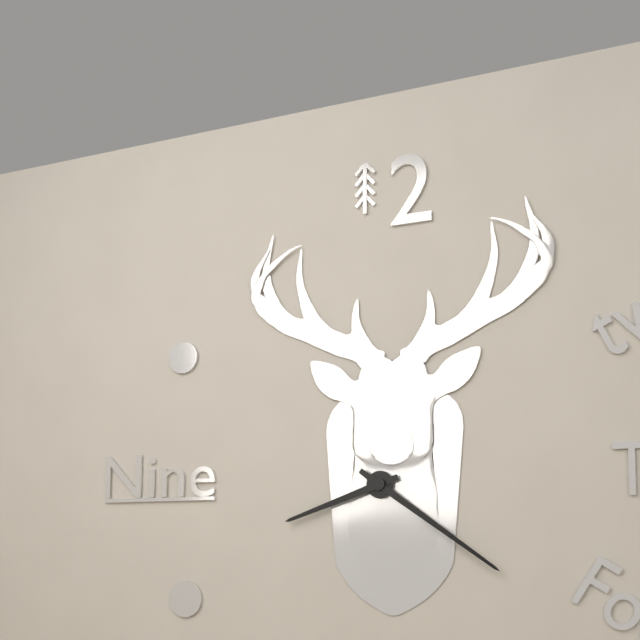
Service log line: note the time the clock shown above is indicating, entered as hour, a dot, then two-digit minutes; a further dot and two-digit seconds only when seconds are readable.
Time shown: 8.21
